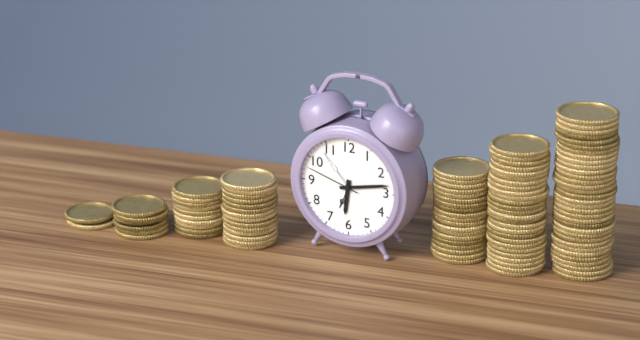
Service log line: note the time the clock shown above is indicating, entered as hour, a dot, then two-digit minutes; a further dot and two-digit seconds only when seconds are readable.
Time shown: 6.13.48
